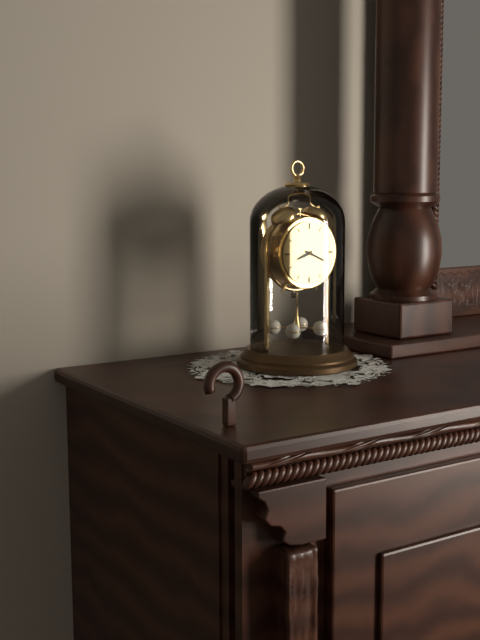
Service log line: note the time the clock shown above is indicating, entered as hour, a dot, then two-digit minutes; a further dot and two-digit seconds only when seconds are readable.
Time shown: 8.19
